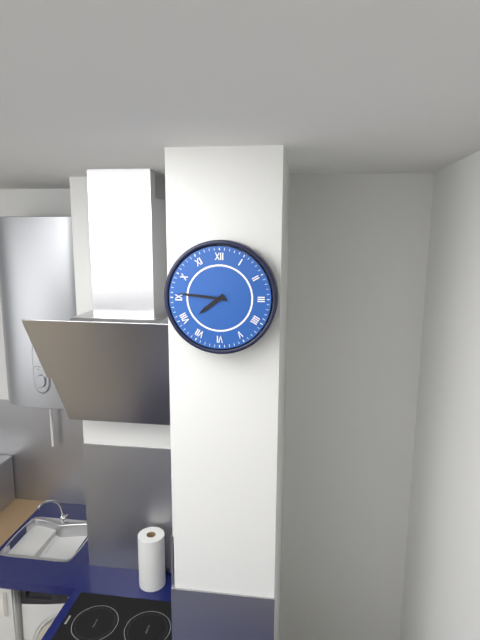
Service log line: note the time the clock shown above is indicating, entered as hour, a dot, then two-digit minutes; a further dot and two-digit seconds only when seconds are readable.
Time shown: 7.46
